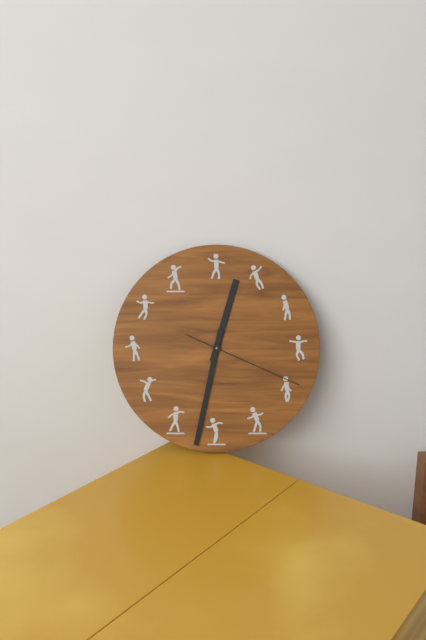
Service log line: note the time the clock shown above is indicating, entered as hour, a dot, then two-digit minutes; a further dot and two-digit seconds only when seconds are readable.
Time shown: 12.32.19
